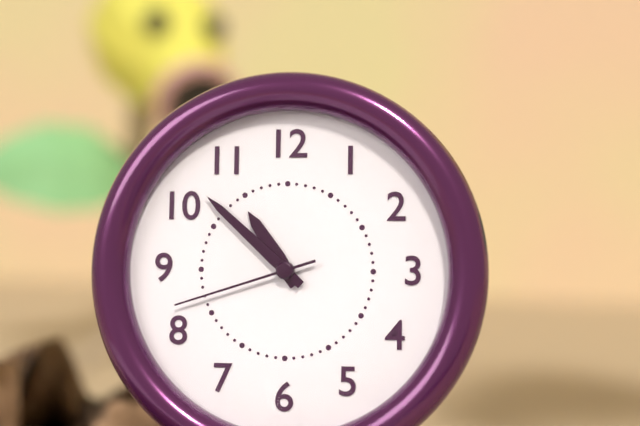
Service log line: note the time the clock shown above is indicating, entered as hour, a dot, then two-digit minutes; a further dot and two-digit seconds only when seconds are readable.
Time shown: 10.52.42
